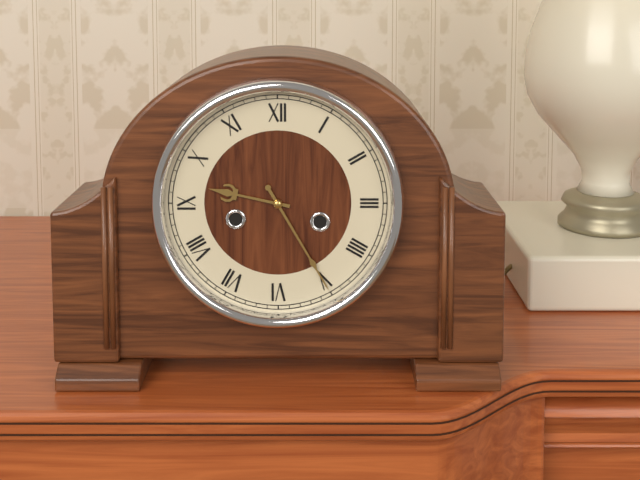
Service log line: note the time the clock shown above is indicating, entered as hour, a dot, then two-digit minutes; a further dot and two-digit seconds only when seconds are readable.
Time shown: 9.25
